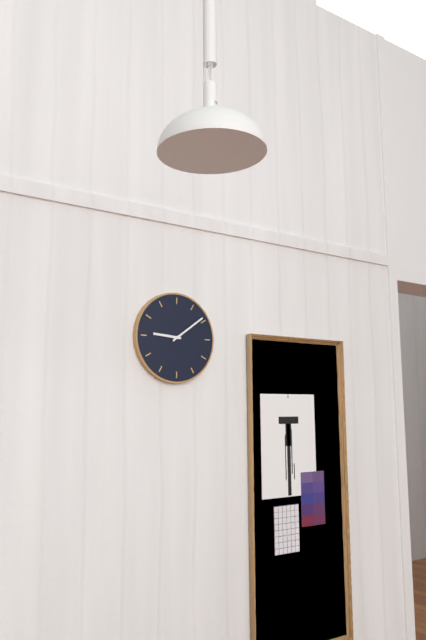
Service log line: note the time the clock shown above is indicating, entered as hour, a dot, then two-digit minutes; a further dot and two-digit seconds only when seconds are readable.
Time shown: 9.09
